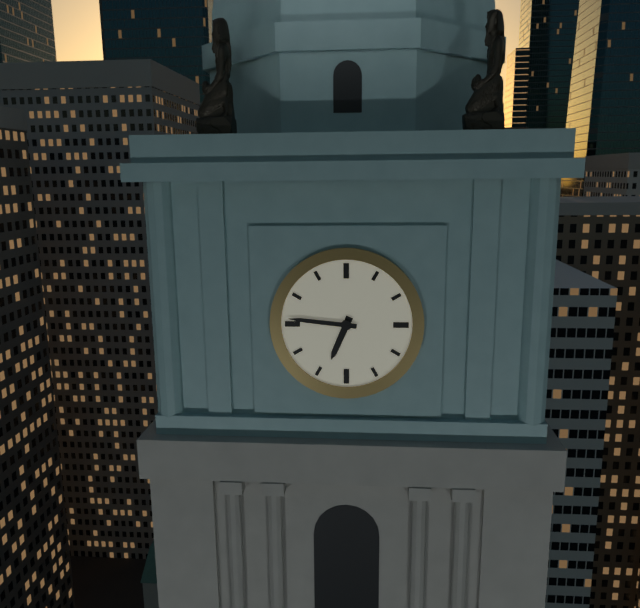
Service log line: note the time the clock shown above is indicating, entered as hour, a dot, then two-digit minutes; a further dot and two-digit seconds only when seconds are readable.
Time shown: 6.46
